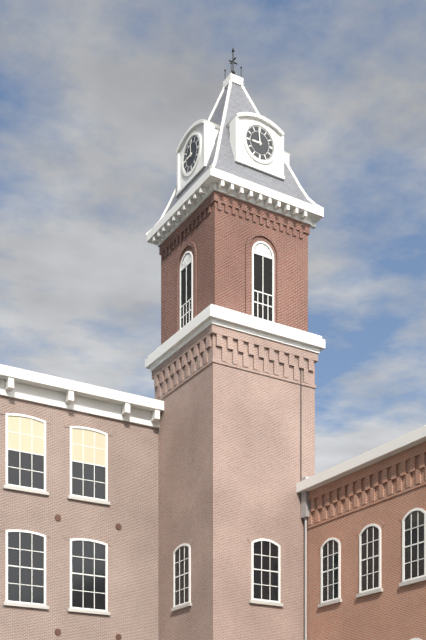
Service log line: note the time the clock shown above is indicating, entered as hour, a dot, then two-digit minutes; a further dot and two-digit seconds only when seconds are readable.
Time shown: 8.59
